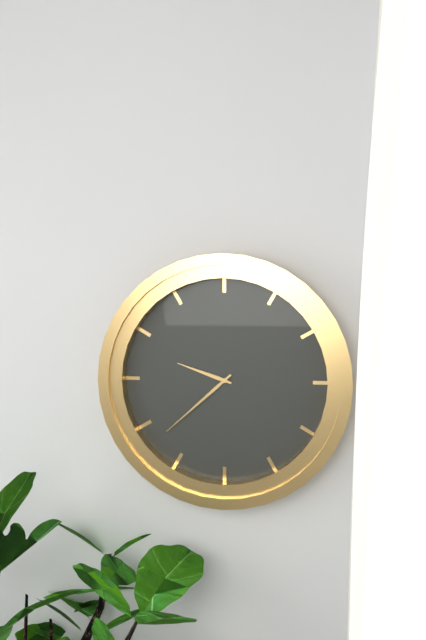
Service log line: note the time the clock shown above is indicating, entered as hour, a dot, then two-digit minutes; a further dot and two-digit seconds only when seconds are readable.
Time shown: 9.38
